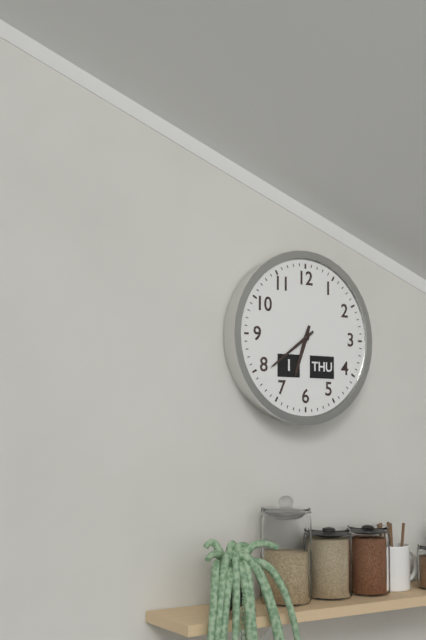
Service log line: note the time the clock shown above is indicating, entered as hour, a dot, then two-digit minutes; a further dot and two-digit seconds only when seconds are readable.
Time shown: 6.39
